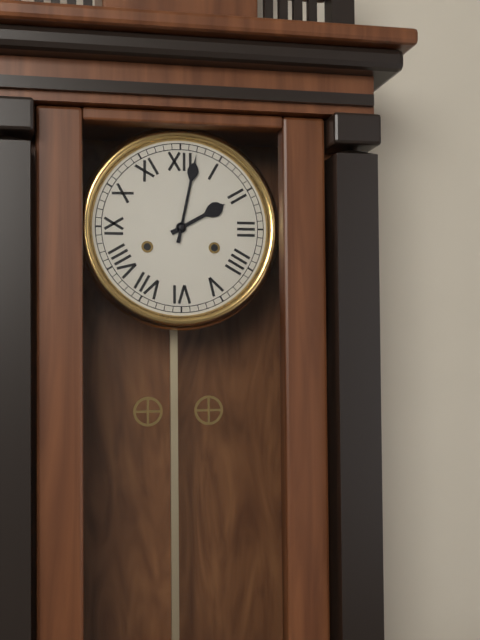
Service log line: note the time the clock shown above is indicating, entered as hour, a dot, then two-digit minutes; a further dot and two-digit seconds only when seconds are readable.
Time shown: 2.02
